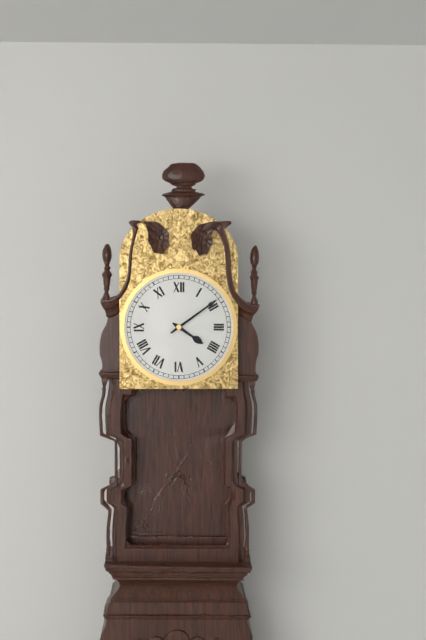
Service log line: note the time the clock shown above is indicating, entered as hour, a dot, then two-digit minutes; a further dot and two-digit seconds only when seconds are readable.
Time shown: 4.09
